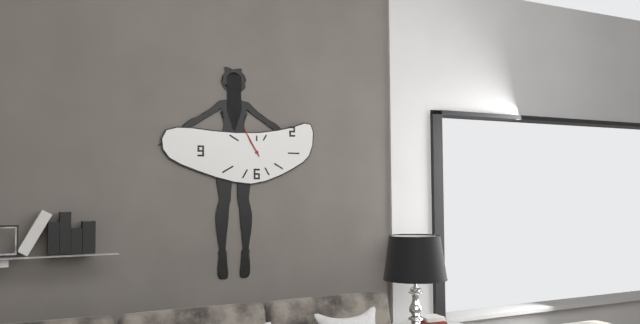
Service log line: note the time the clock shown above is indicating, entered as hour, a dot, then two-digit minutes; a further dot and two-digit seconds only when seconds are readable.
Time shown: 10.55
